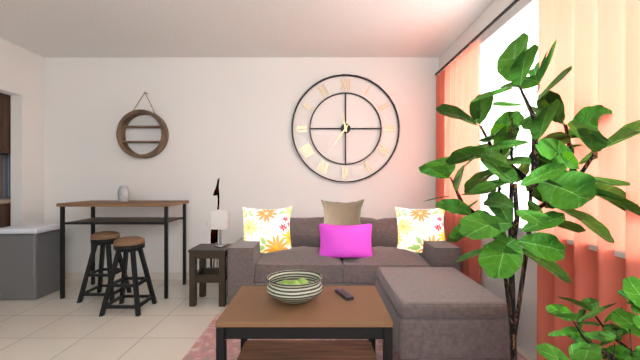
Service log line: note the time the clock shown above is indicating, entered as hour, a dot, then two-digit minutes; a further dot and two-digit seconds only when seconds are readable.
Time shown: 11.36
